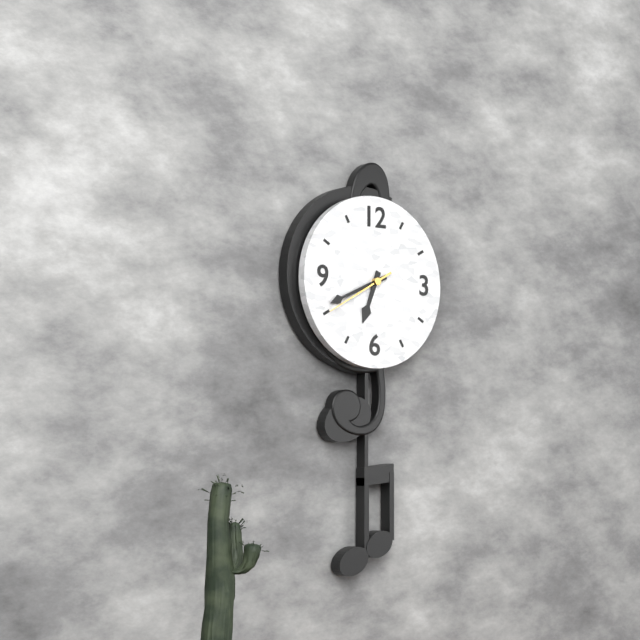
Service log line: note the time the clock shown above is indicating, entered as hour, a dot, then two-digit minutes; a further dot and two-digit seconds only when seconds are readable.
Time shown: 6.41.40
